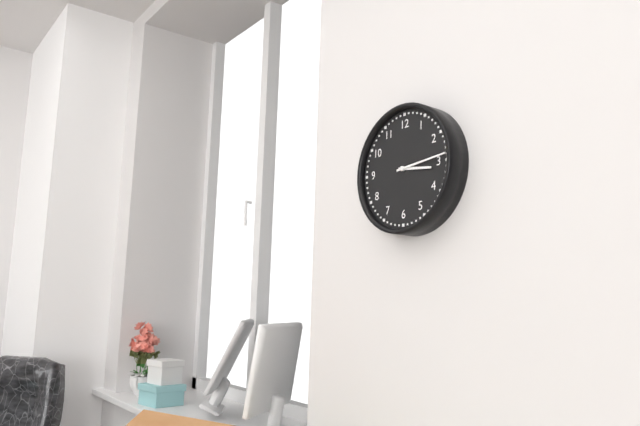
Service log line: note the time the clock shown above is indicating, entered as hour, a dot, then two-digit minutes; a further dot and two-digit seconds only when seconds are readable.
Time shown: 3.14
